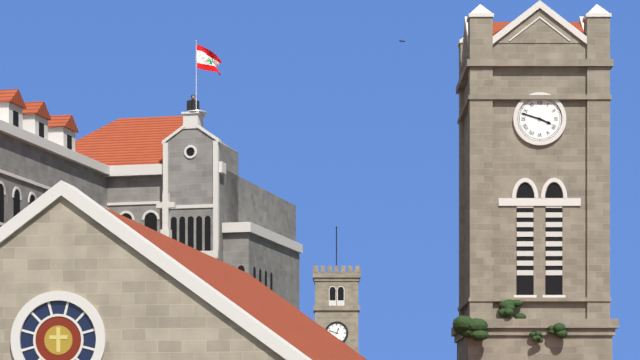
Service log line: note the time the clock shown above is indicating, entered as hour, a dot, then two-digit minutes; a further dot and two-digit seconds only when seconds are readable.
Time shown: 3.48
